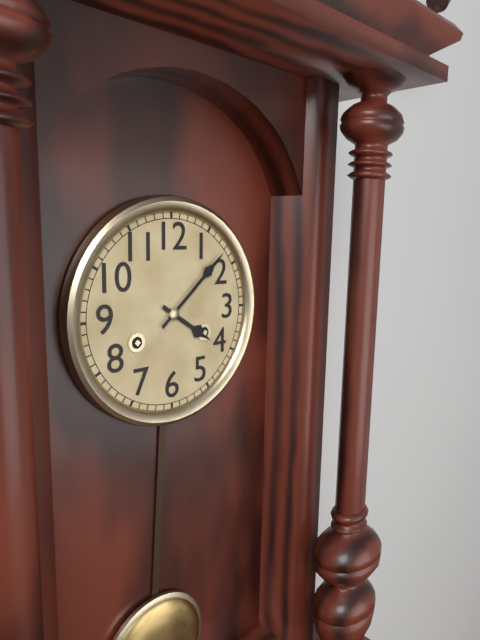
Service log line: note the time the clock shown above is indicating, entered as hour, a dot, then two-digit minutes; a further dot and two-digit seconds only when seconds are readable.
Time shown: 4.08
